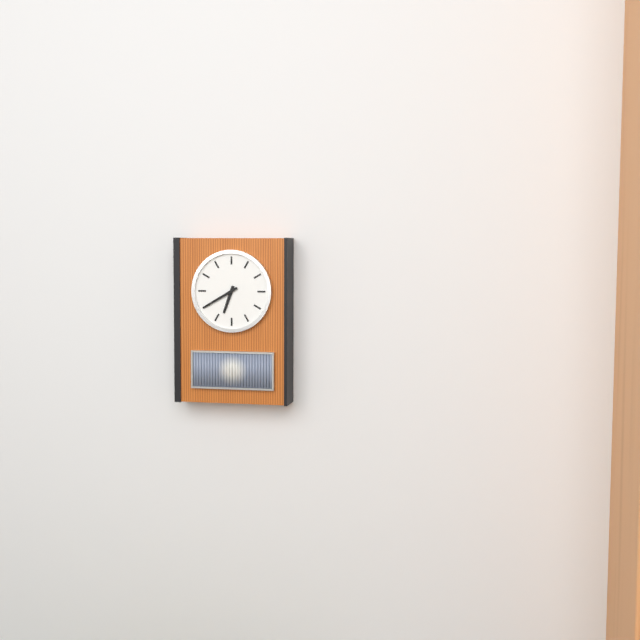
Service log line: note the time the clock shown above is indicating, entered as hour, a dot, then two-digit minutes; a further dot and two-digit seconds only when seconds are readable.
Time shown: 6.40
